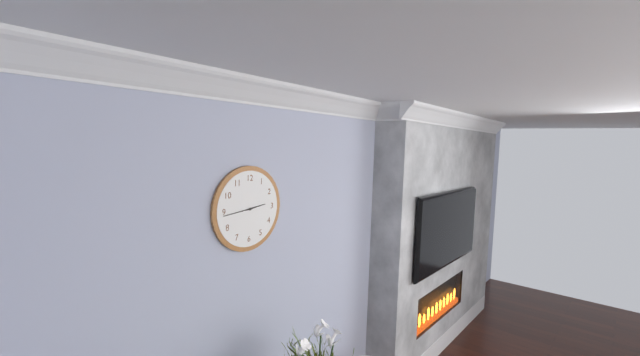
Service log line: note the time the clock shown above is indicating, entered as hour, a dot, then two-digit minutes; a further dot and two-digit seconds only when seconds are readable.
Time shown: 2.44
